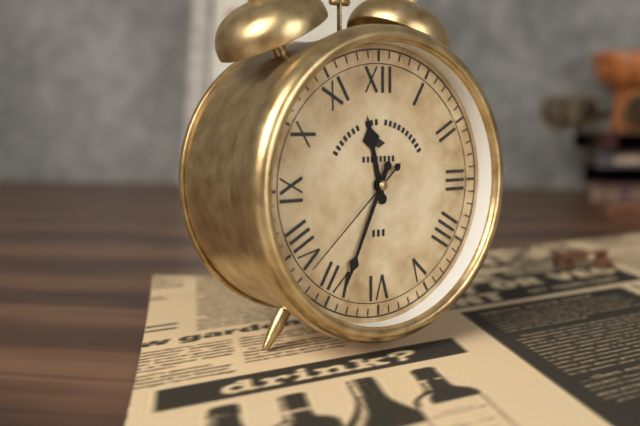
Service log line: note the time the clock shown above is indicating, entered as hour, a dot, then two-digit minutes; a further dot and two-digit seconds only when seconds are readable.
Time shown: 11.34.38
